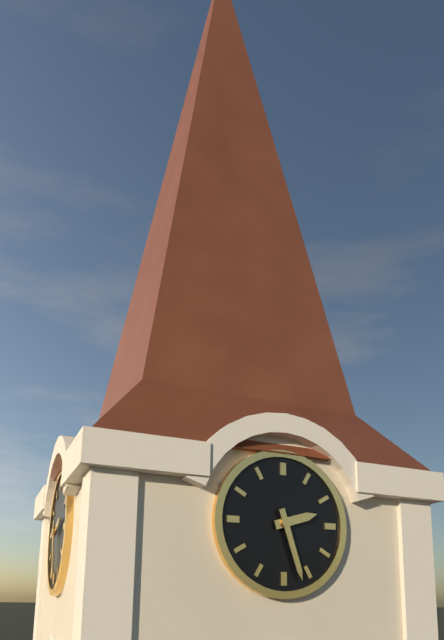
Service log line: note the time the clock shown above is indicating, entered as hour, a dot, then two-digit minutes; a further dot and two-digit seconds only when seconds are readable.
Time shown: 2.27
